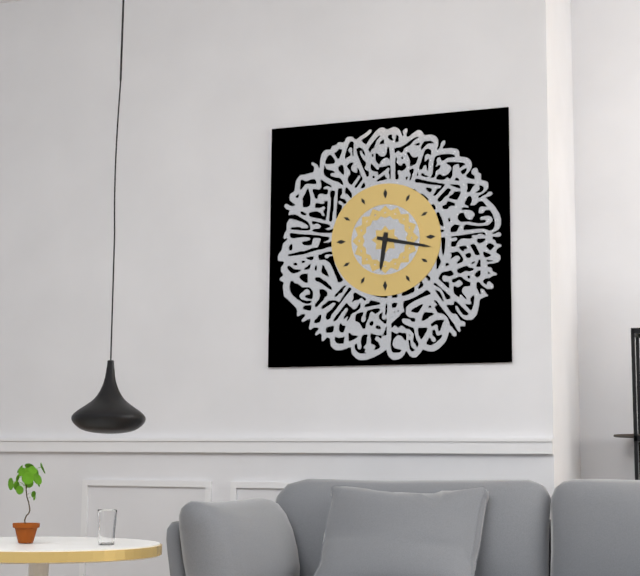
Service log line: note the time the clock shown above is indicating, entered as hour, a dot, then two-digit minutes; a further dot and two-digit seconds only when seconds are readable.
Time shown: 6.17
